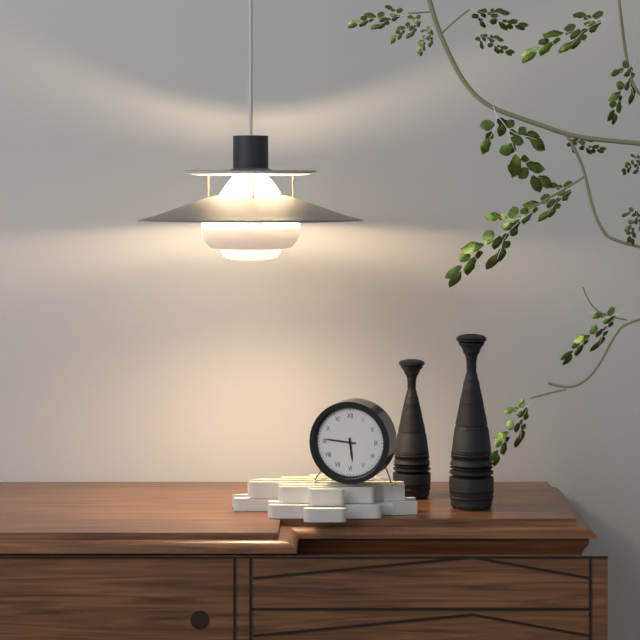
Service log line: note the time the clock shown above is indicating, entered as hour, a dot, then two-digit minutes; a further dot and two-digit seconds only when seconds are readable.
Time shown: 5.46
